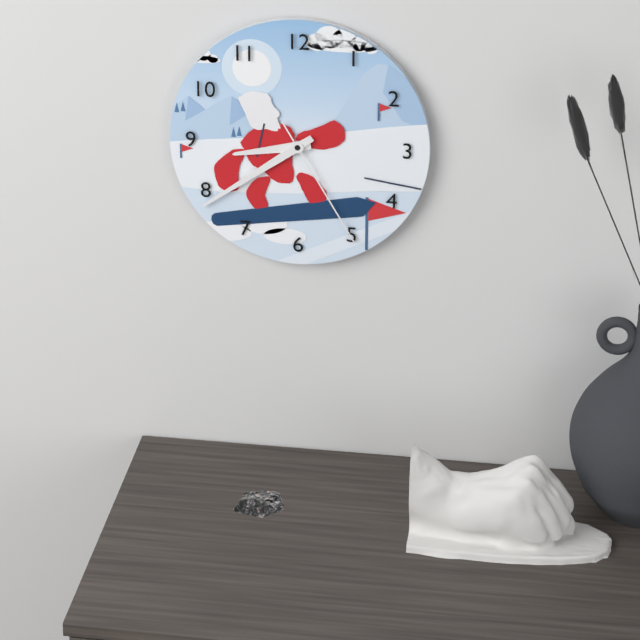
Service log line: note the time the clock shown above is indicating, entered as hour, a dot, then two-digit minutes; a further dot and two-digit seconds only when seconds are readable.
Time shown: 8.39.25
